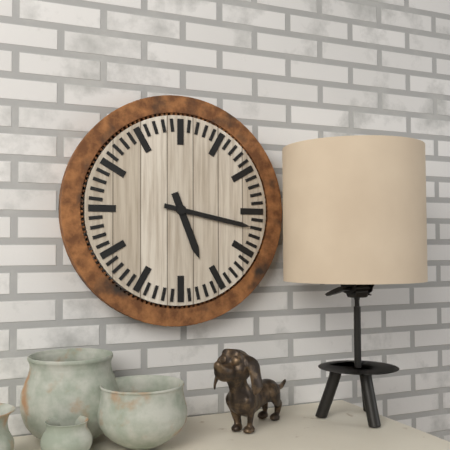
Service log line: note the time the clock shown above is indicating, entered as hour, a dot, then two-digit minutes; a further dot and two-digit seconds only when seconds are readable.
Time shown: 5.17
